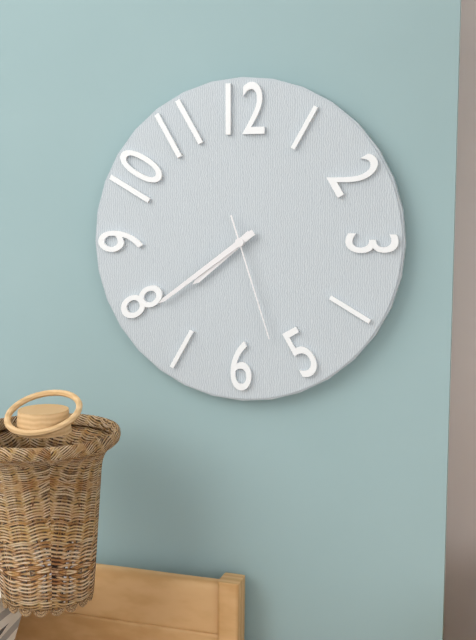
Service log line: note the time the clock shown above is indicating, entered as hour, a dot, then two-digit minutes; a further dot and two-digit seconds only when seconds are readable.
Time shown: 7.39.27
